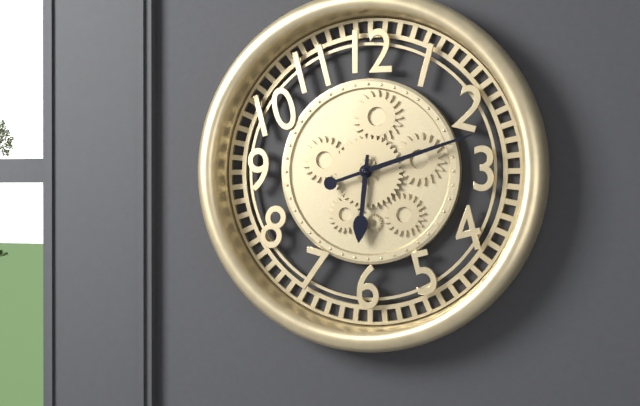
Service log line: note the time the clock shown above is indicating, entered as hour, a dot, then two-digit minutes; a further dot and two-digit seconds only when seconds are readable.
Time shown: 6.12
